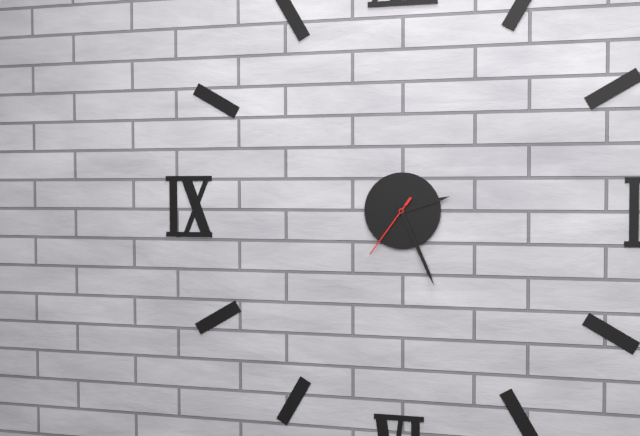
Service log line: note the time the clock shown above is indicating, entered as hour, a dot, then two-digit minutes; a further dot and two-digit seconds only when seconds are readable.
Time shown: 2.26.36
